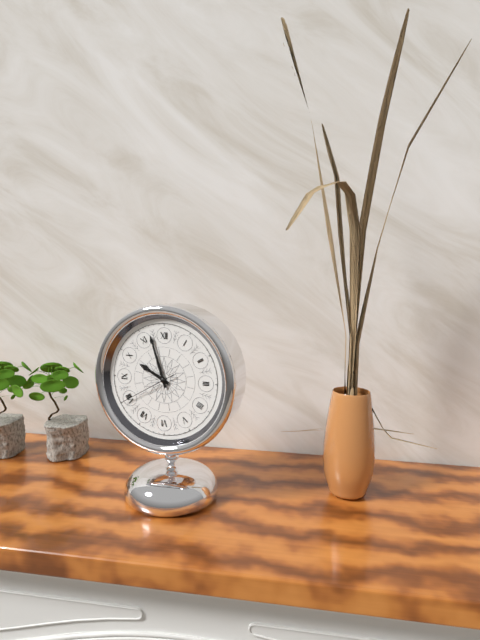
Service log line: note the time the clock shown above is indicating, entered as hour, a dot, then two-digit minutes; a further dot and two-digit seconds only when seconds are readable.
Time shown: 9.57.40
